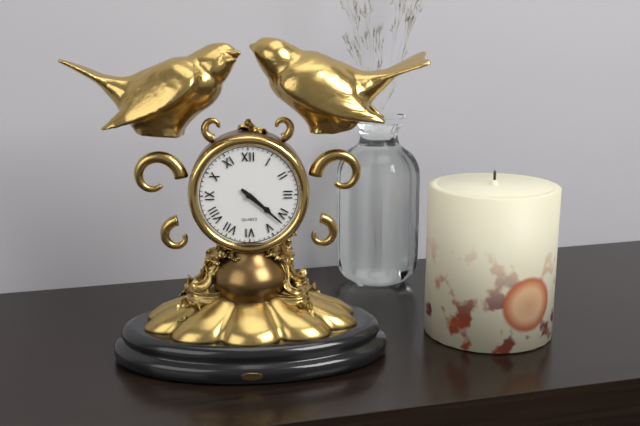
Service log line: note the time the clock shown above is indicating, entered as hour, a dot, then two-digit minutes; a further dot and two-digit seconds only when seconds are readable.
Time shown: 4.22
